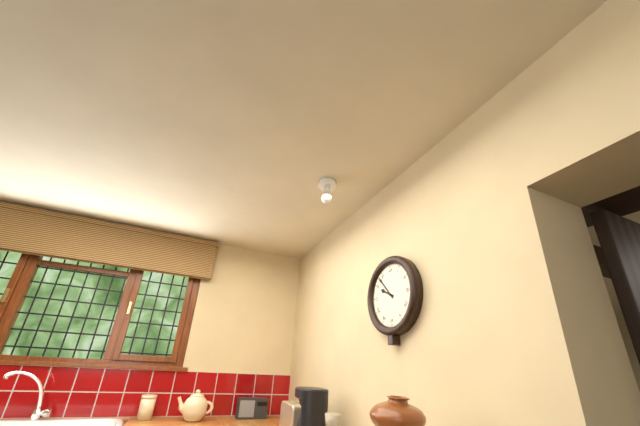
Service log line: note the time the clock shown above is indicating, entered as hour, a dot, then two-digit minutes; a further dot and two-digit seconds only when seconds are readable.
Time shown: 9.53
